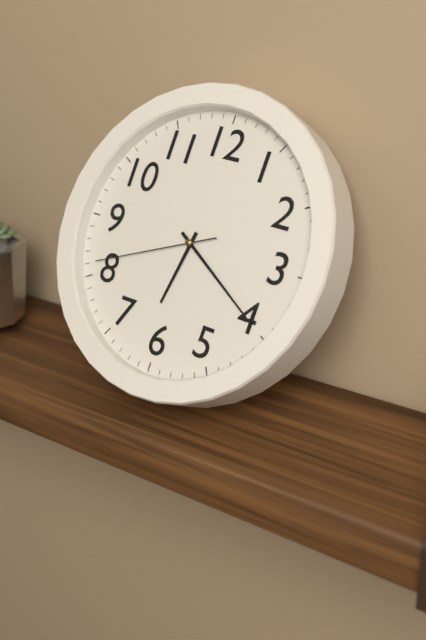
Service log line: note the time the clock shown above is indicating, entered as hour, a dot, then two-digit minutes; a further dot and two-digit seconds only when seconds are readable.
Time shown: 6.20.41
